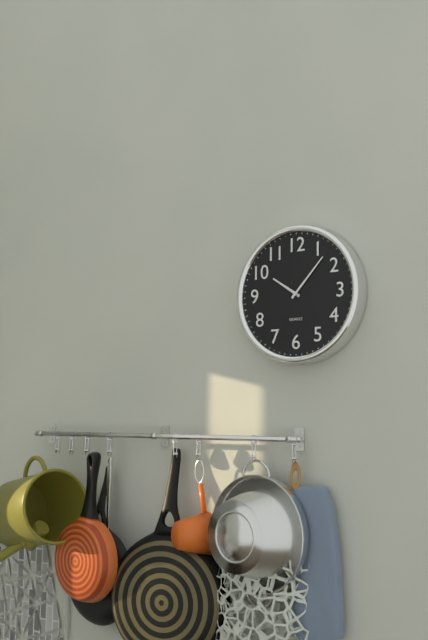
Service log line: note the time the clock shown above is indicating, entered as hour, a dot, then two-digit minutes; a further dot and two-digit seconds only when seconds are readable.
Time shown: 10.07
